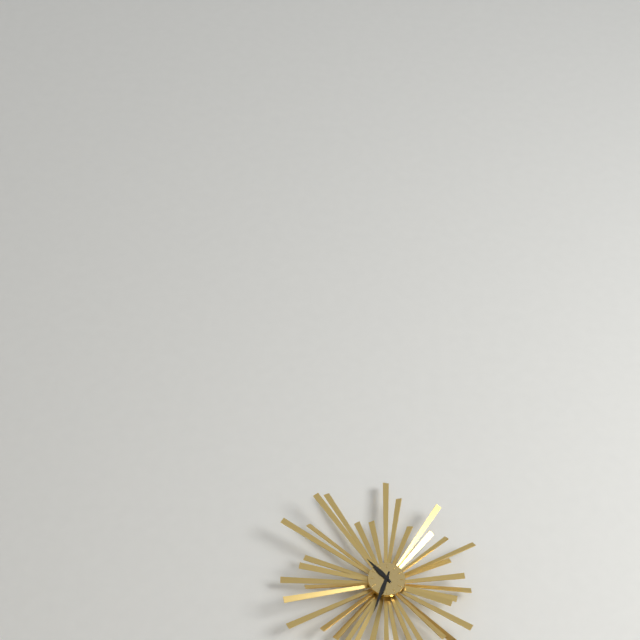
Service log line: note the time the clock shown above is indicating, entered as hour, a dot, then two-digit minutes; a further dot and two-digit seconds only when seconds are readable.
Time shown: 10.33
